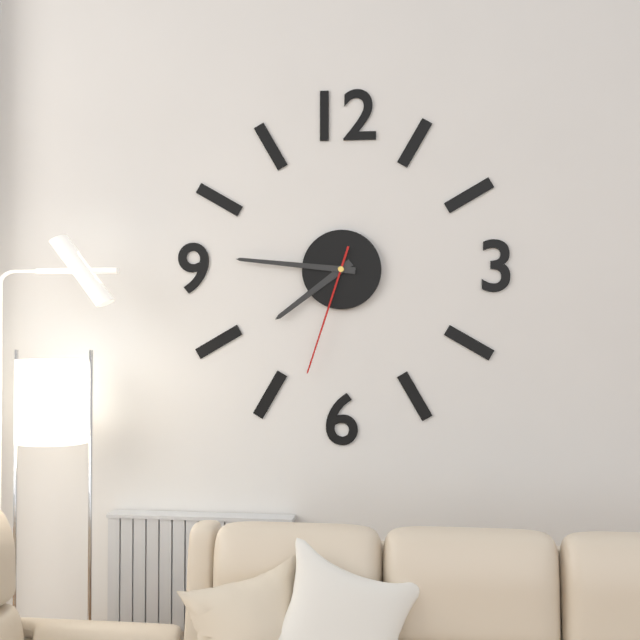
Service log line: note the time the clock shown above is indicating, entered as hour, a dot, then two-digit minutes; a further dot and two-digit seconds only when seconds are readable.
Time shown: 7.46.33
